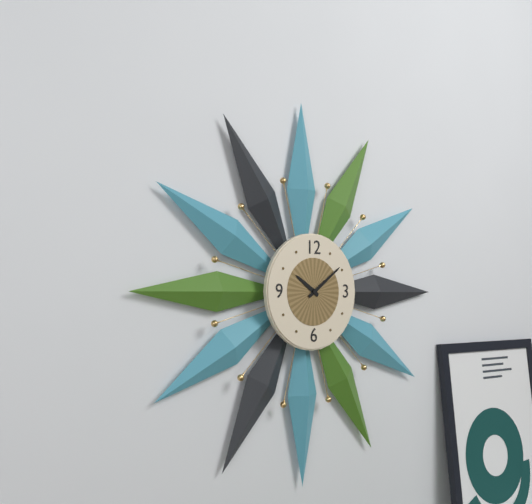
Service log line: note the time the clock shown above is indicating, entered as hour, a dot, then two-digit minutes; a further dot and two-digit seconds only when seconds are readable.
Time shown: 10.09
